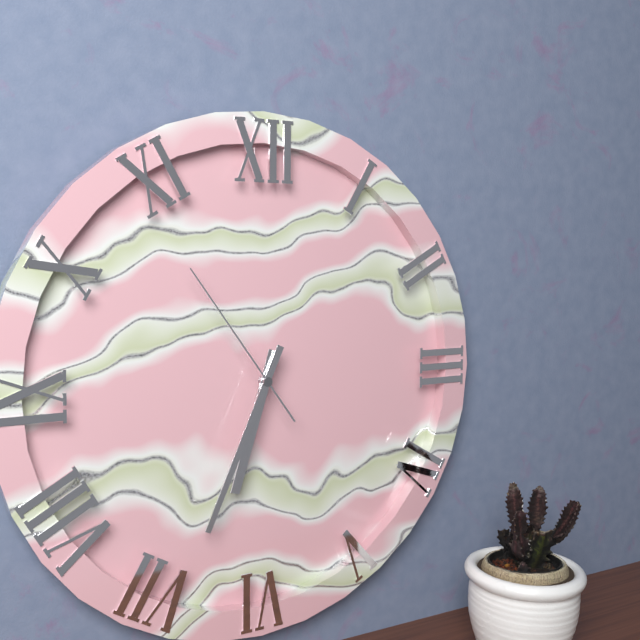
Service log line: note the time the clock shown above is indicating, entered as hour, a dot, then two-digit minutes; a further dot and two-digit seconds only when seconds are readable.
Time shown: 6.34.54
